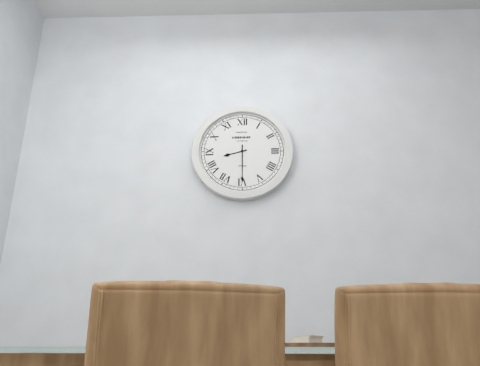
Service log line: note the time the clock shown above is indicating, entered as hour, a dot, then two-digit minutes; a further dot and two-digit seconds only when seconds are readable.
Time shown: 8.30
